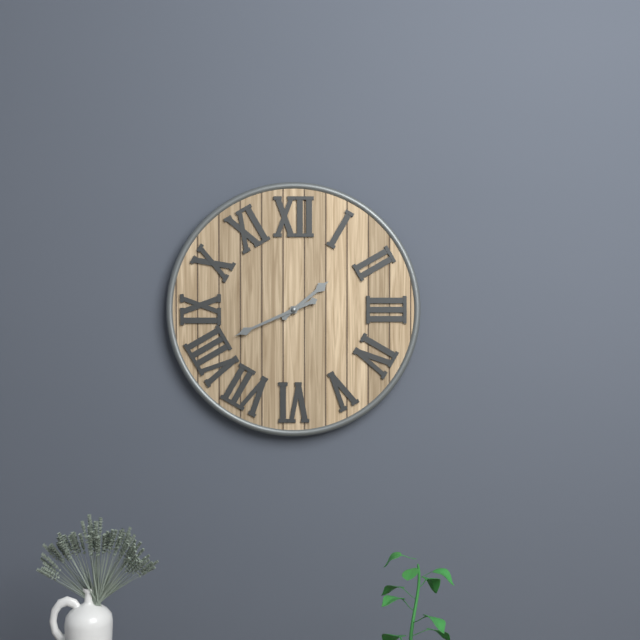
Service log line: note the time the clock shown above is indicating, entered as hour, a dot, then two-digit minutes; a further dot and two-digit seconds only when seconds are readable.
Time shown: 1.41
